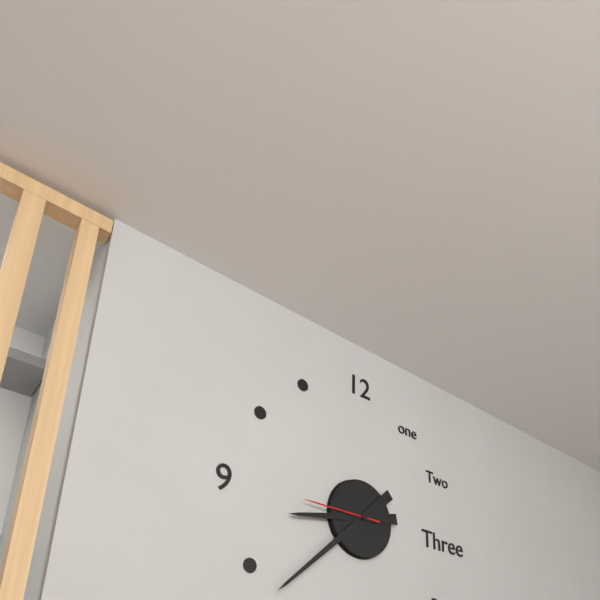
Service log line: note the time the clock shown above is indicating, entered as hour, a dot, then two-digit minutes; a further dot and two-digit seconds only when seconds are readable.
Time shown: 8.38.45
